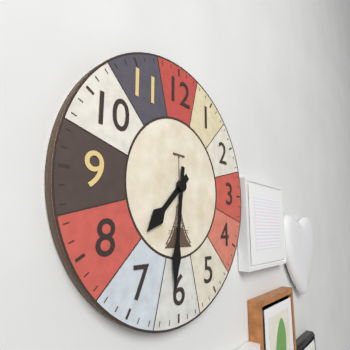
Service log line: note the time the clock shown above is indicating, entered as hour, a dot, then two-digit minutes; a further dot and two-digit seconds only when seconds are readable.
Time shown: 7.31
